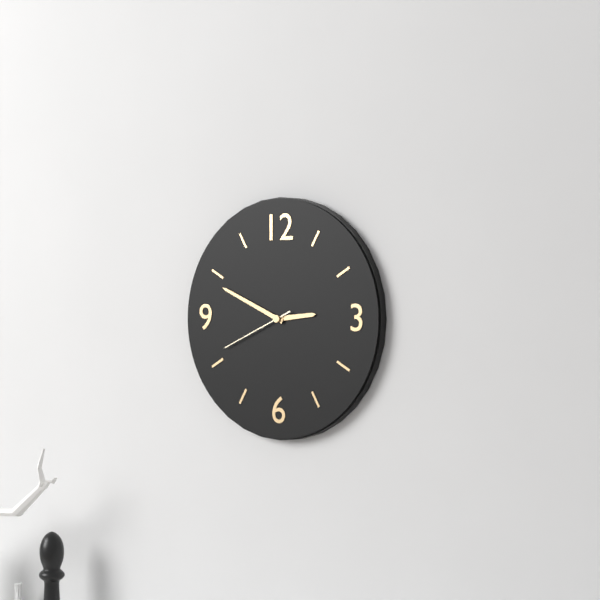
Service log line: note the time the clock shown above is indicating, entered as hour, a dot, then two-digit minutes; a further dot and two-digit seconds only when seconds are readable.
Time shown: 2.49.41
